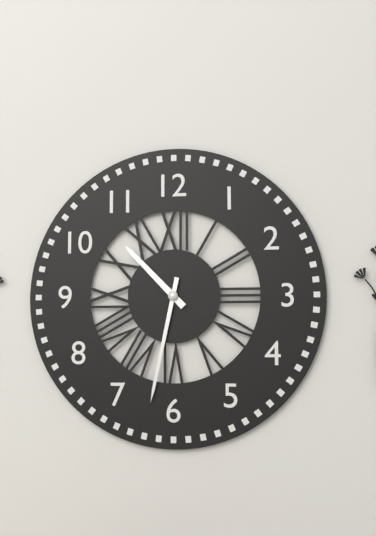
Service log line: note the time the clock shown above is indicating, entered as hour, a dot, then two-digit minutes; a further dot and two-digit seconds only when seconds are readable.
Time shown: 10.32
